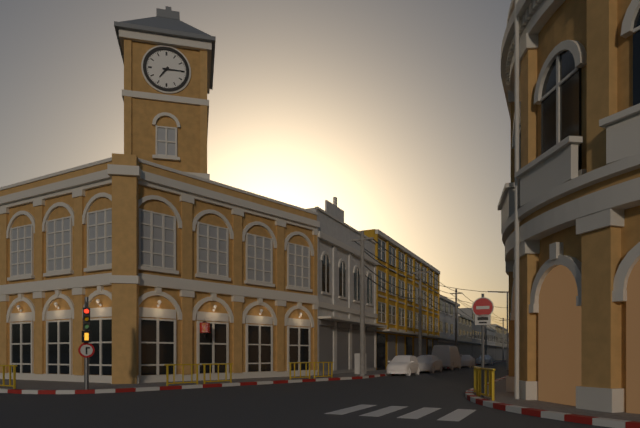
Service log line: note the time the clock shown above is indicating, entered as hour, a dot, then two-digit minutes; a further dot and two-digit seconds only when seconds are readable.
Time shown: 7.15
